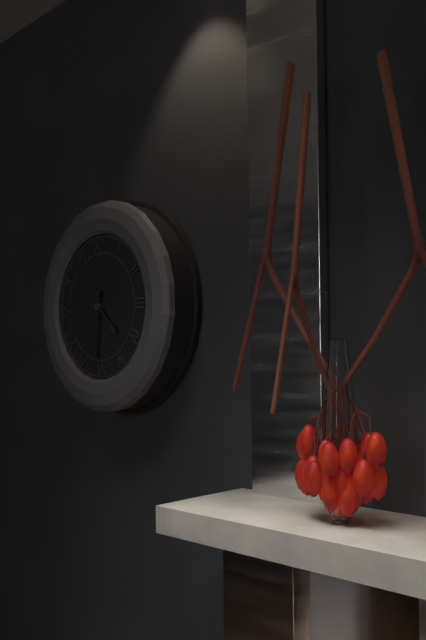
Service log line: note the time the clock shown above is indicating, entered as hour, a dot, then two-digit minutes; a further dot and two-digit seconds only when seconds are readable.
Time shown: 4.31
